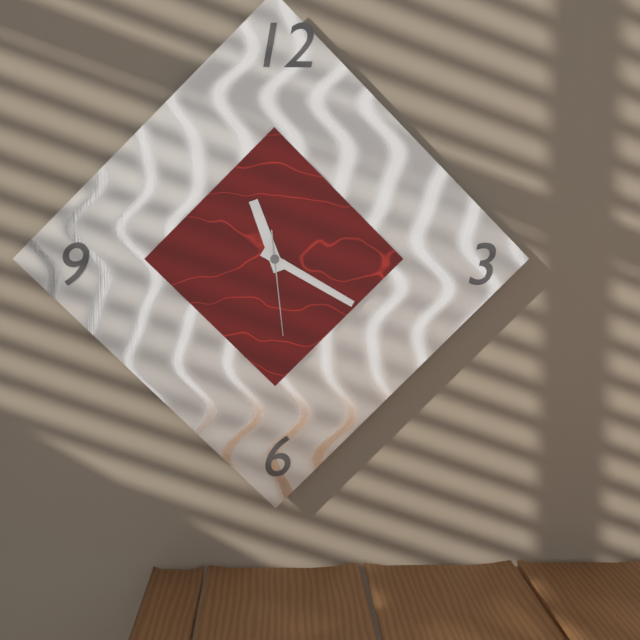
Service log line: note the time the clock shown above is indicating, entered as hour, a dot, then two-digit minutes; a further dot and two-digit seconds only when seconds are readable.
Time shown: 11.20.29
